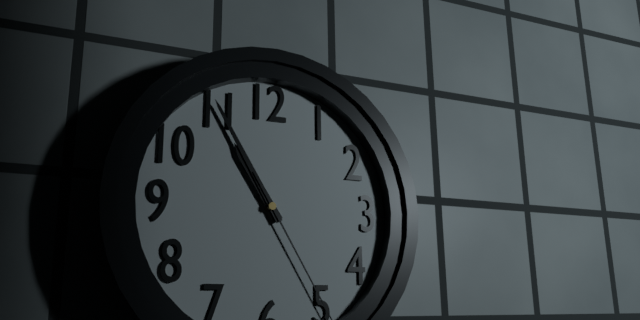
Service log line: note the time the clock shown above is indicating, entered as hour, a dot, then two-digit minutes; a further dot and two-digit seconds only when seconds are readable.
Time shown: 10.55
